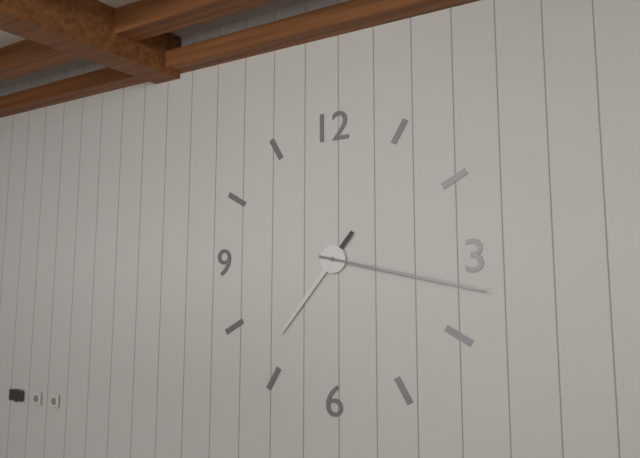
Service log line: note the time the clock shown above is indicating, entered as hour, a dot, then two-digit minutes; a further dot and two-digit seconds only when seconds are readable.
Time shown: 7.17
